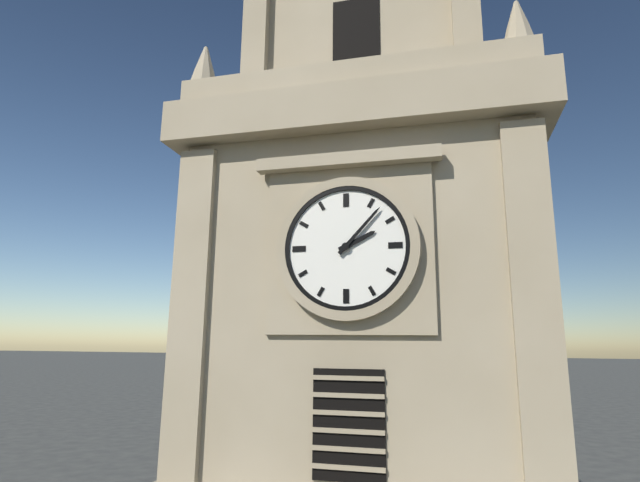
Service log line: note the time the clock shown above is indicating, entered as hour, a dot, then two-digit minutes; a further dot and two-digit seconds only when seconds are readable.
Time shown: 2.07
